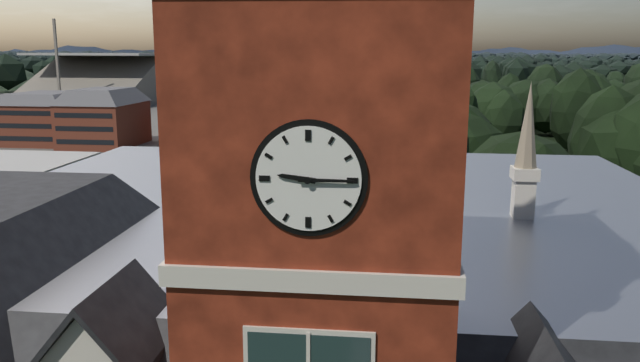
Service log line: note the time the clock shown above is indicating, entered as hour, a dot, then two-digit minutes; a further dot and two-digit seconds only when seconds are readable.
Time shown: 9.15
